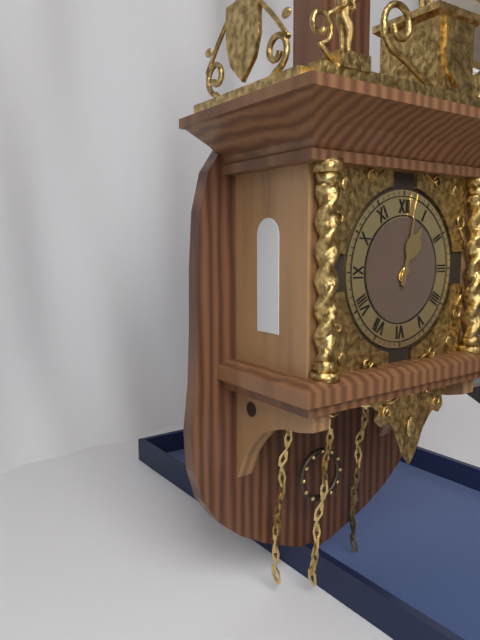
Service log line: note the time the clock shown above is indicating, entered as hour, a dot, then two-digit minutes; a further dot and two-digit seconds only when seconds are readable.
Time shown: 1.02
